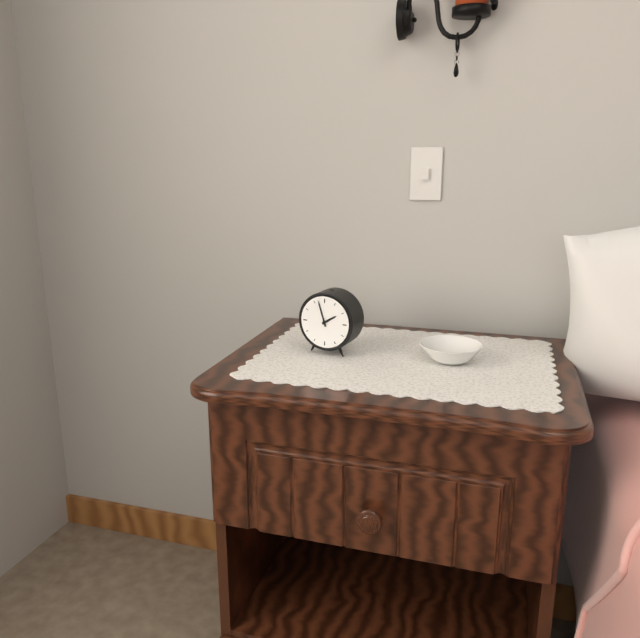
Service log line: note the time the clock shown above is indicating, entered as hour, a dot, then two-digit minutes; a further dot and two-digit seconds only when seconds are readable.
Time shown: 1.57
